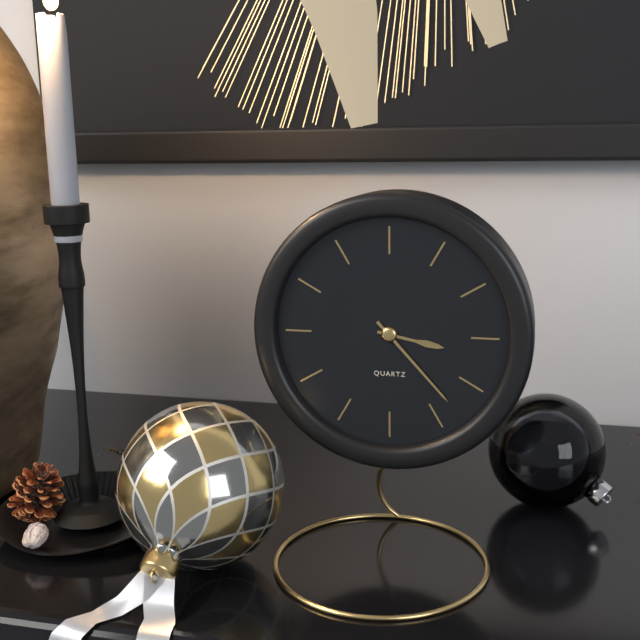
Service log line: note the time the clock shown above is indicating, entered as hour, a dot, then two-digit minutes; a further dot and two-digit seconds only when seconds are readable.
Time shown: 3.23
